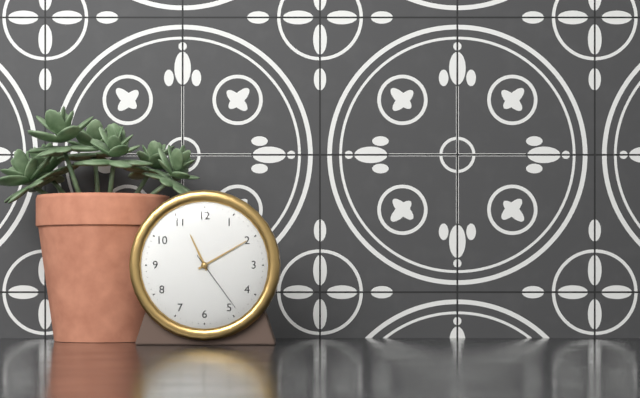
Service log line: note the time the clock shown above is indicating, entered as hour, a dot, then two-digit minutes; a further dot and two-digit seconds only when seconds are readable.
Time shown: 11.10.24
